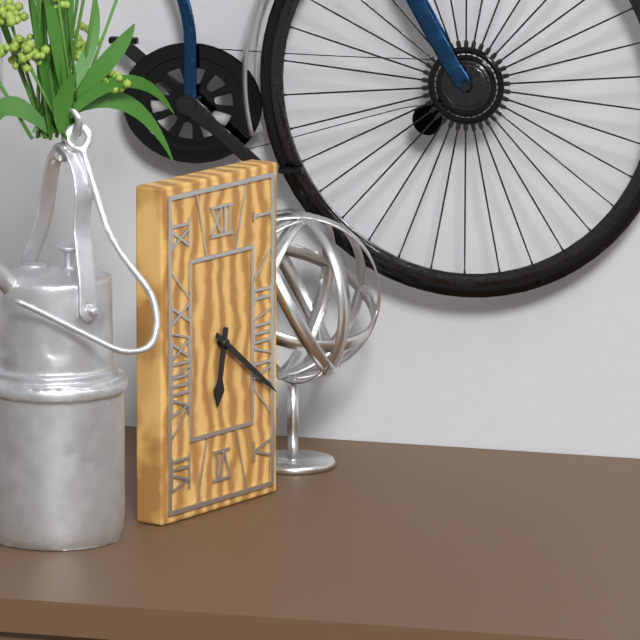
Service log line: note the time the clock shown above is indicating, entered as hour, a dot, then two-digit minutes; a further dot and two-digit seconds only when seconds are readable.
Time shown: 6.21
